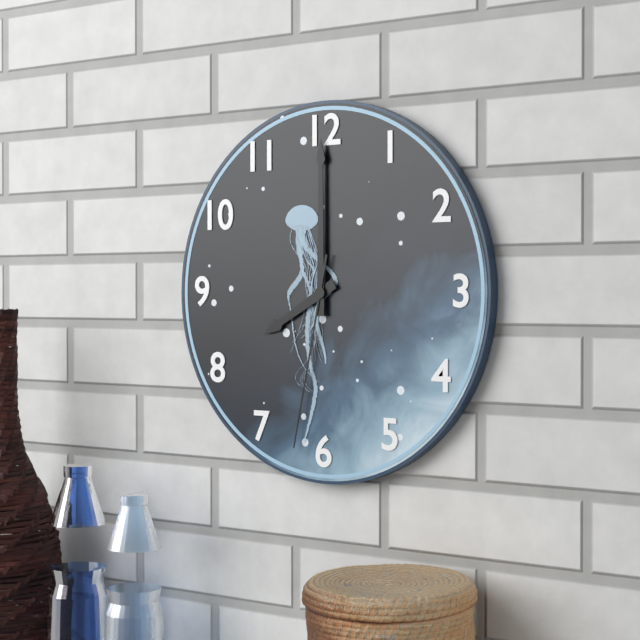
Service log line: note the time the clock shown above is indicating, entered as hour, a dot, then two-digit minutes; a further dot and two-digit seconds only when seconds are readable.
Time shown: 8.00.32
